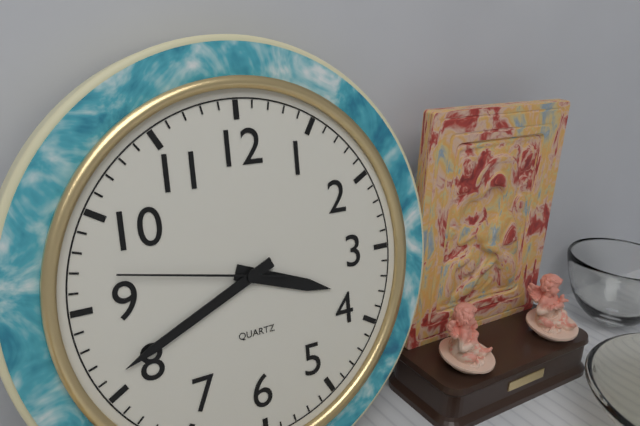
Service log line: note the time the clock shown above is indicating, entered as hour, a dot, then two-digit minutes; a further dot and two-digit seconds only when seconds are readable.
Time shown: 3.41.47
